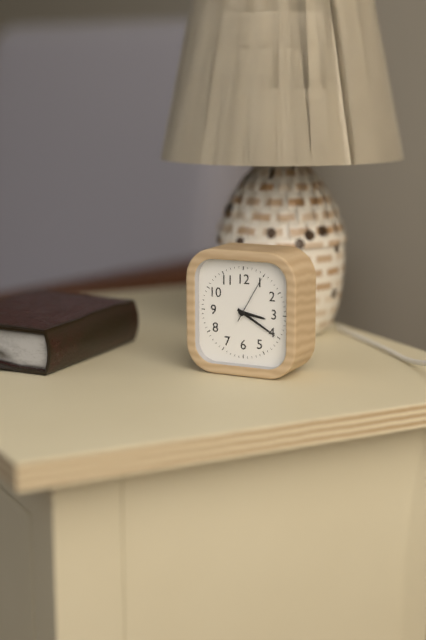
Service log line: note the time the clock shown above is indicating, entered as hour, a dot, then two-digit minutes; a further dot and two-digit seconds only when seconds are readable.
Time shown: 3.20
